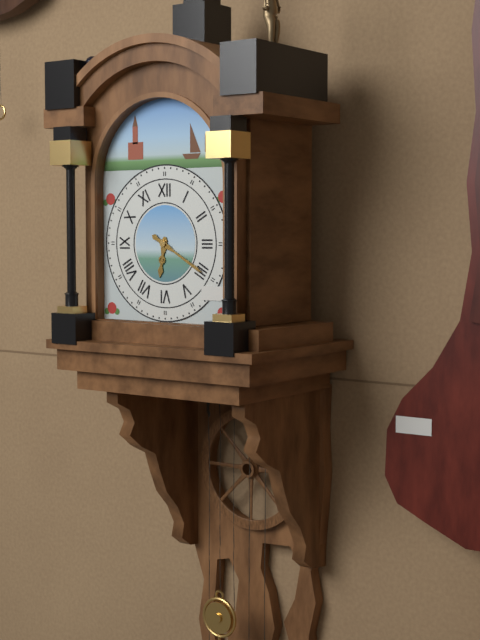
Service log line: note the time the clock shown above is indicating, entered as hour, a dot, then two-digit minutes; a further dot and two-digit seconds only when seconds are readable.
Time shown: 6.20
